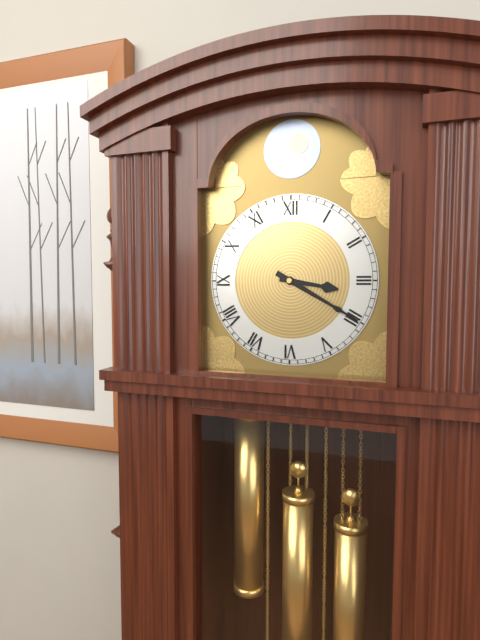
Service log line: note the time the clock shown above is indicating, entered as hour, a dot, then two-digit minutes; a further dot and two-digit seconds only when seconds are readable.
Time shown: 3.20
